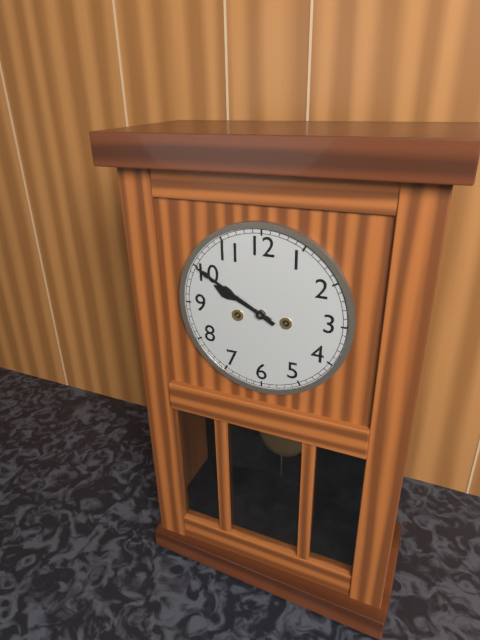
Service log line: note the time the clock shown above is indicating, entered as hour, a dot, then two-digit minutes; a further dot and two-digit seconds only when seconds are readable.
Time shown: 9.50
